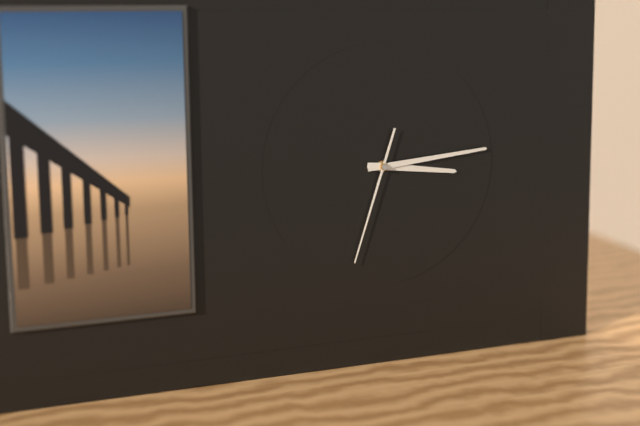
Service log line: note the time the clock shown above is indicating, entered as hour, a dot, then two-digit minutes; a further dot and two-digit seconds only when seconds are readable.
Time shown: 3.14.33
